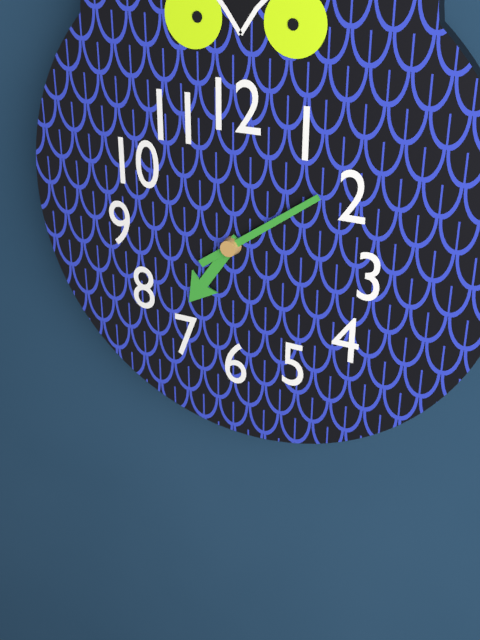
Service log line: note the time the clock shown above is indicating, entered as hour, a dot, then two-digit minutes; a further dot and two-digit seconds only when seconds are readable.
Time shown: 7.09
